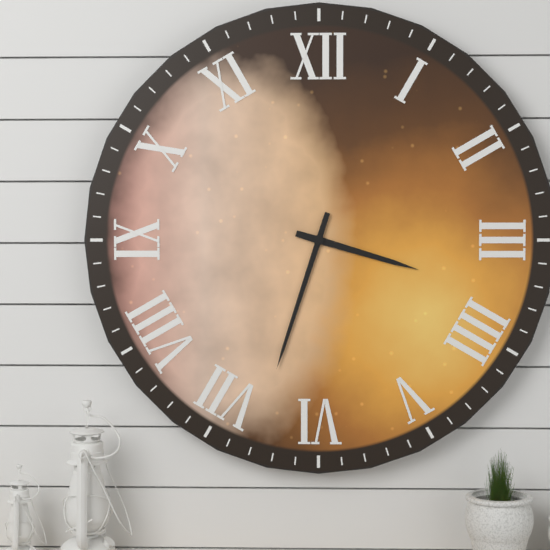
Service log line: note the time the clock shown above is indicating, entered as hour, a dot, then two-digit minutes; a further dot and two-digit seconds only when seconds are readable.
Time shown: 3.33
